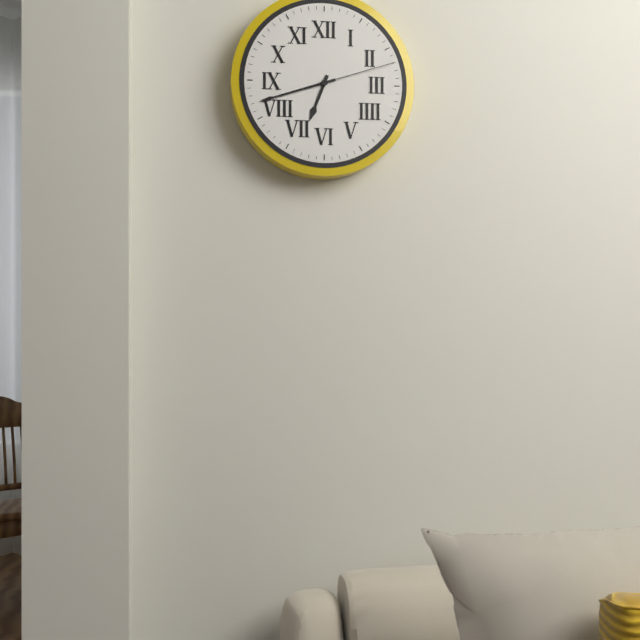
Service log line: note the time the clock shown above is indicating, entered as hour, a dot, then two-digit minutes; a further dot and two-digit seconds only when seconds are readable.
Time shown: 6.42.12
